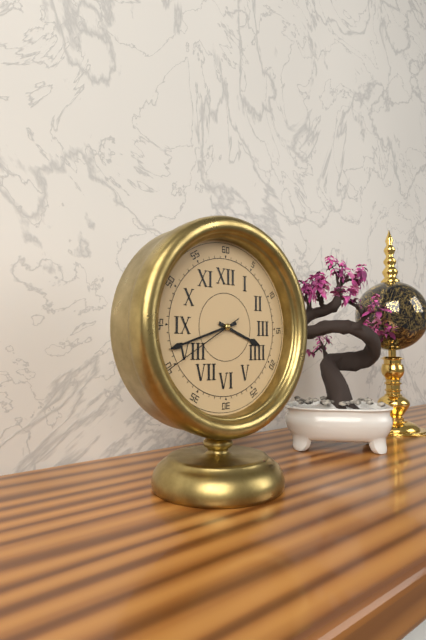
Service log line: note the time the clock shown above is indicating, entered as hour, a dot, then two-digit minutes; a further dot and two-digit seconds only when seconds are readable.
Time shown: 3.42.40
